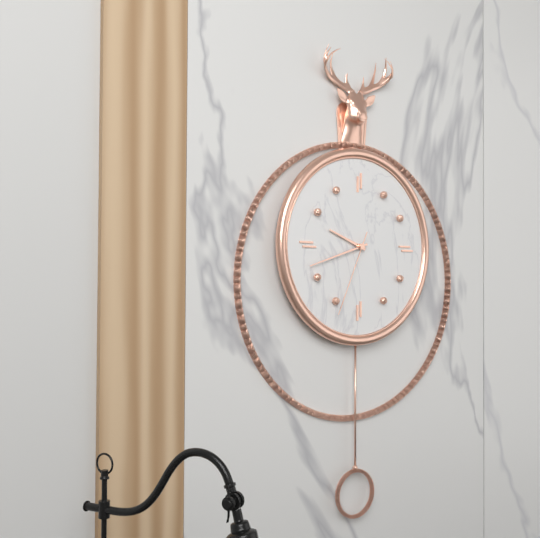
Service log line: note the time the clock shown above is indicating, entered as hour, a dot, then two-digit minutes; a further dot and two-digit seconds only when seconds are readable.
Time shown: 9.42.34
